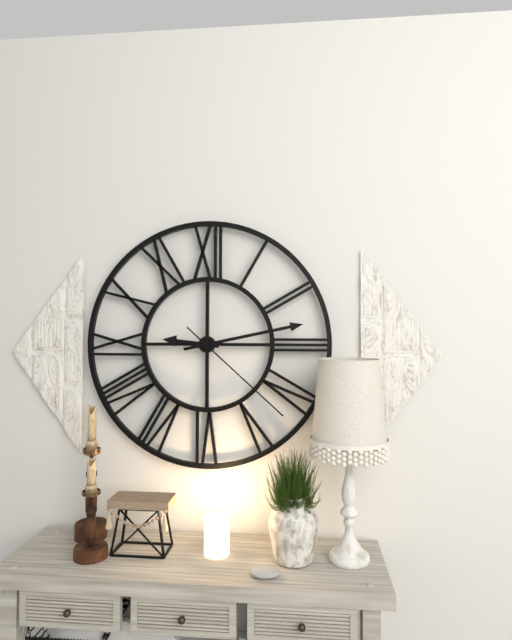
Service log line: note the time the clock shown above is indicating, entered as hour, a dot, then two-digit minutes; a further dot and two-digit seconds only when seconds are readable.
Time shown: 9.13.22
